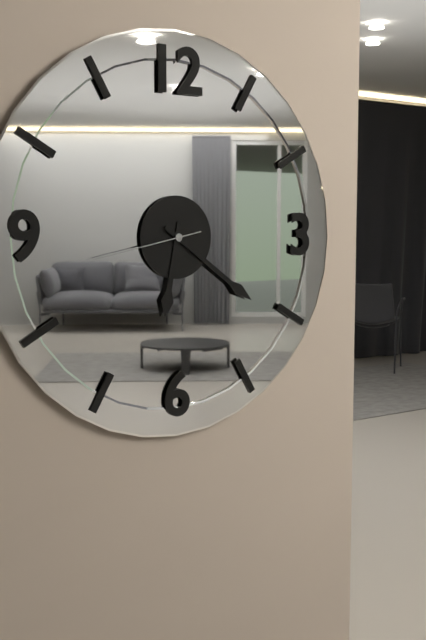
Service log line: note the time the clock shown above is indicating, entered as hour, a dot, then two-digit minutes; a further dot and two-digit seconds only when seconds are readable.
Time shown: 6.21.43
